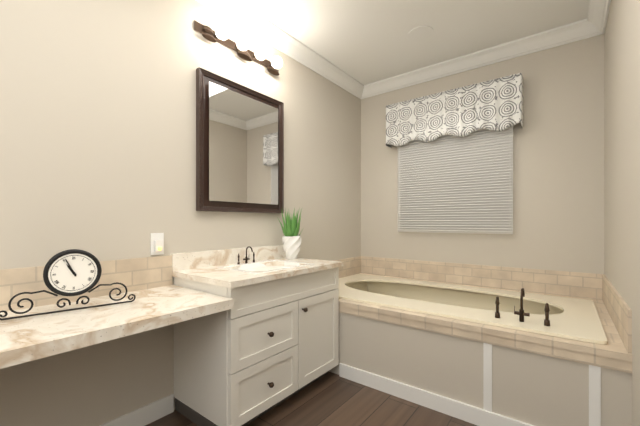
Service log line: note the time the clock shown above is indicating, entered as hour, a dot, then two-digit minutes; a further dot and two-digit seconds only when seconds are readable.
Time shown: 10.56
